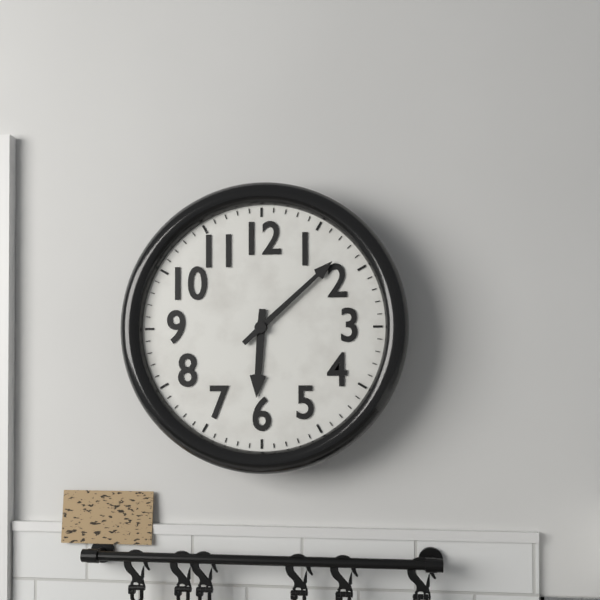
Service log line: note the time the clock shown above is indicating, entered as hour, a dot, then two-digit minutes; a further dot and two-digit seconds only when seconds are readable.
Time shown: 6.08
